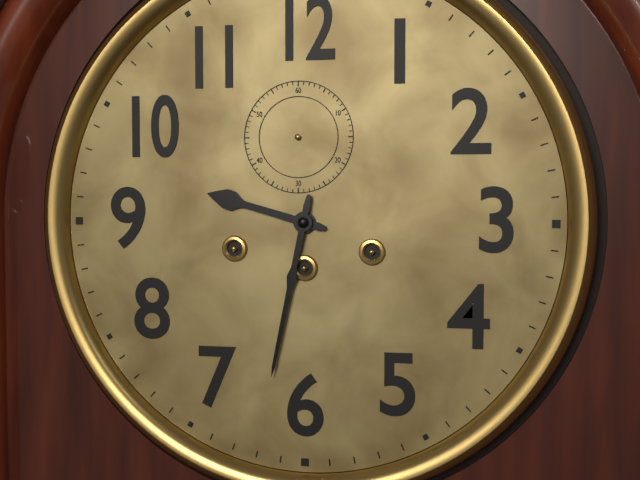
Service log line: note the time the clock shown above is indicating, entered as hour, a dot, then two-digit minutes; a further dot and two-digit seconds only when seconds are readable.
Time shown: 9.32
